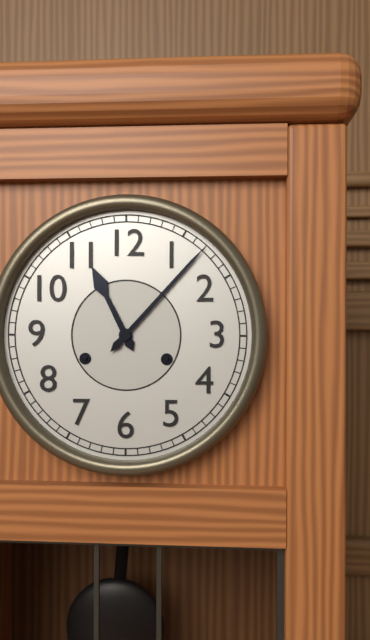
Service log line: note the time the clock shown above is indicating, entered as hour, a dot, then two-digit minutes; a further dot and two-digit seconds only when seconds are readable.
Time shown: 11.07
